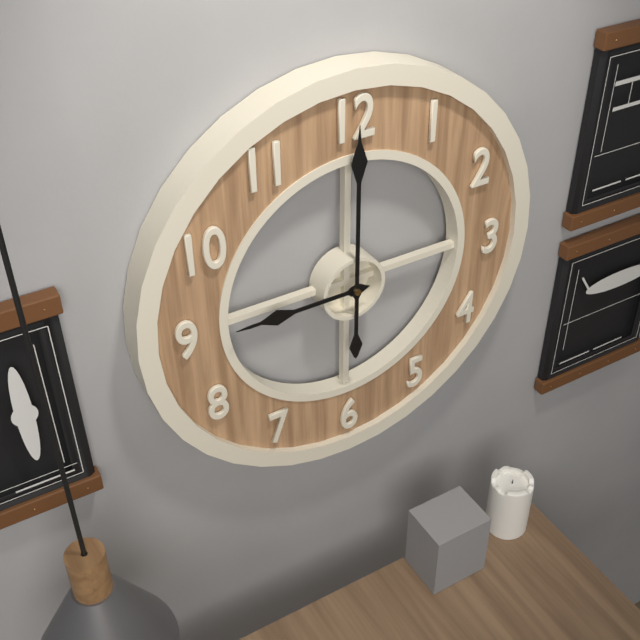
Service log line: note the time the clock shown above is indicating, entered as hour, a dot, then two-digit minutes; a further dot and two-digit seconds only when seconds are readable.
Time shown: 9.00
